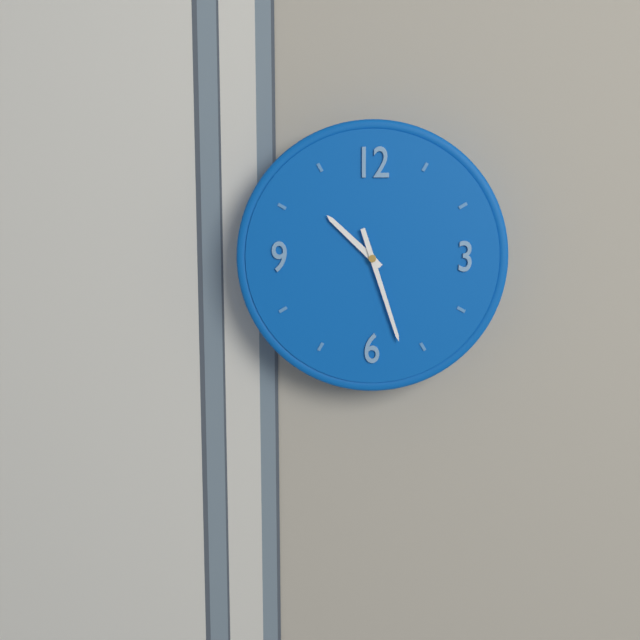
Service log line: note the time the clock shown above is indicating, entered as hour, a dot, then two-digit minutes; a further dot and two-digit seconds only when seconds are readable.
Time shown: 10.27
